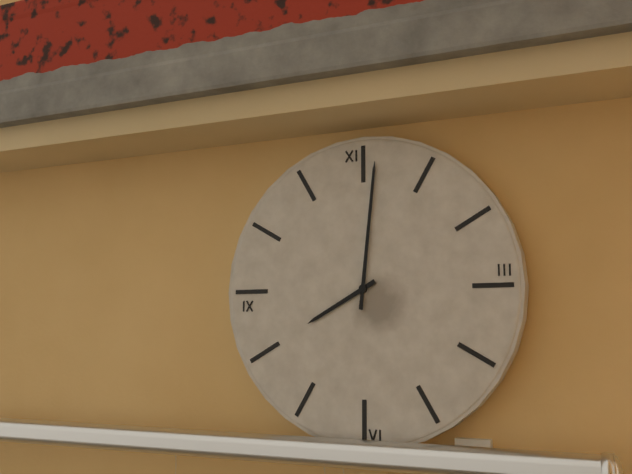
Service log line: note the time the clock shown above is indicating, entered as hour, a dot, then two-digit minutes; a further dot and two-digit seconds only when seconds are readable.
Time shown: 8.01
